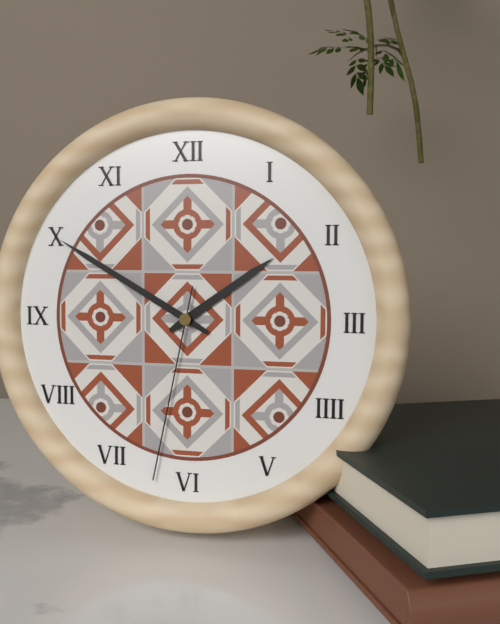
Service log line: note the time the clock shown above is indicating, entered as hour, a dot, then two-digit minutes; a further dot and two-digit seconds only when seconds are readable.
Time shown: 1.50.32
